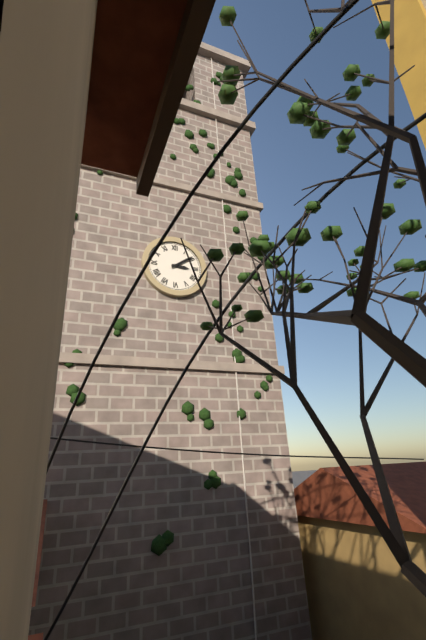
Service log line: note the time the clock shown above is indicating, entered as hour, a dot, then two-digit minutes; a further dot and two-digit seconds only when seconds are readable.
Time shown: 3.09
